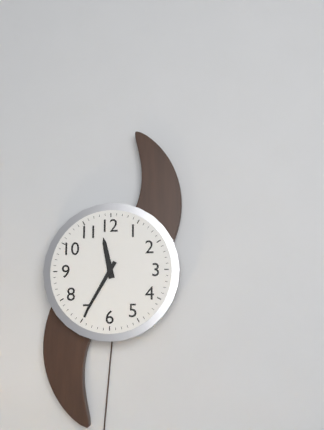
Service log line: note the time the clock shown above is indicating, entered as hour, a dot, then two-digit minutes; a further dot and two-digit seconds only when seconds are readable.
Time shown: 11.35
